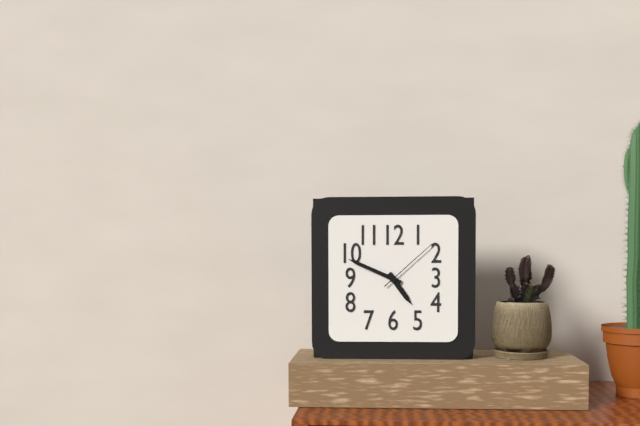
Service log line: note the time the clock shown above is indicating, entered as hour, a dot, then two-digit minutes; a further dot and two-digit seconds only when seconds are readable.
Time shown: 4.49.08
